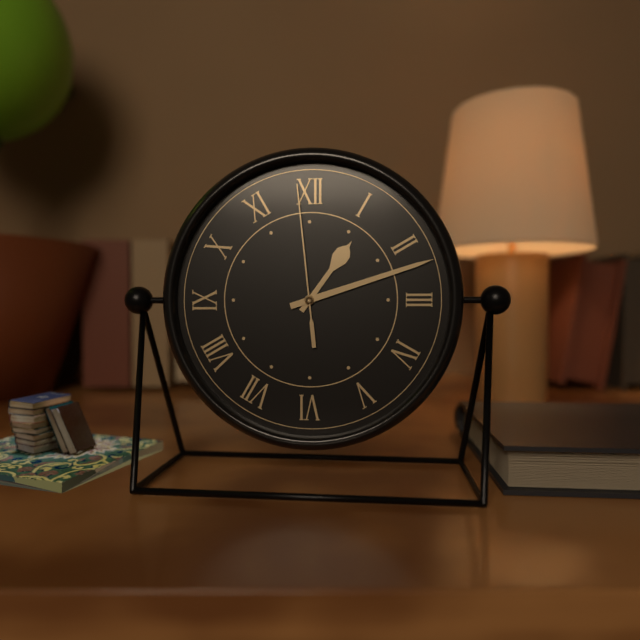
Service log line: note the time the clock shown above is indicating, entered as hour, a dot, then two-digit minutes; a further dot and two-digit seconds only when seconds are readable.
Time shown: 1.12.59
